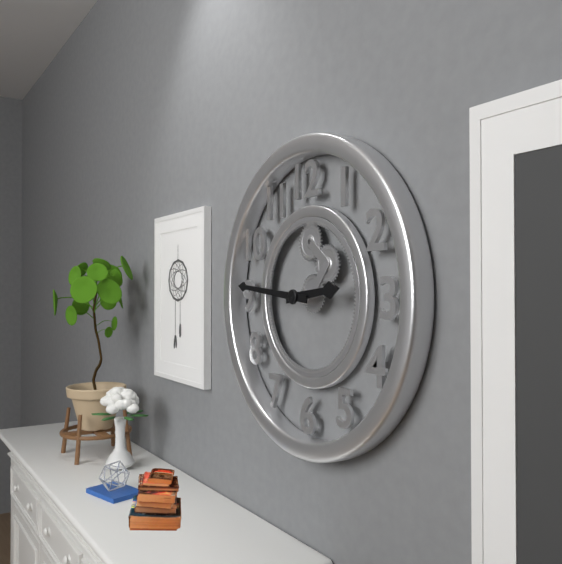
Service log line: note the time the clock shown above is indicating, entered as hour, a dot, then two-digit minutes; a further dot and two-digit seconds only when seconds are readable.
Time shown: 2.46
